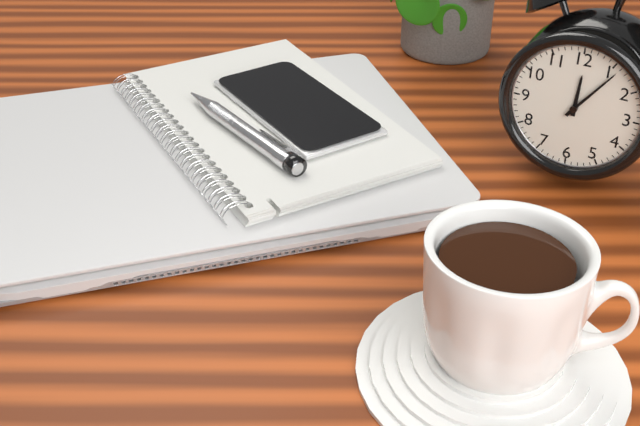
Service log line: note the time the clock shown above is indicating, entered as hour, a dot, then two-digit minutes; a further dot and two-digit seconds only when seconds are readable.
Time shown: 12.06
